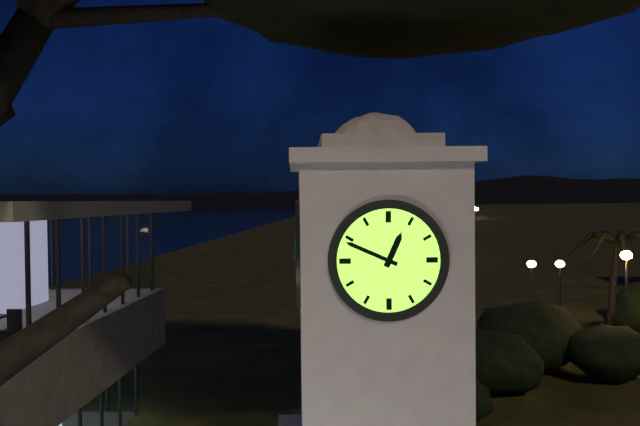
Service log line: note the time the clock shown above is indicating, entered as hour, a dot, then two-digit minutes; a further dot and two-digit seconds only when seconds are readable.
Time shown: 12.49
